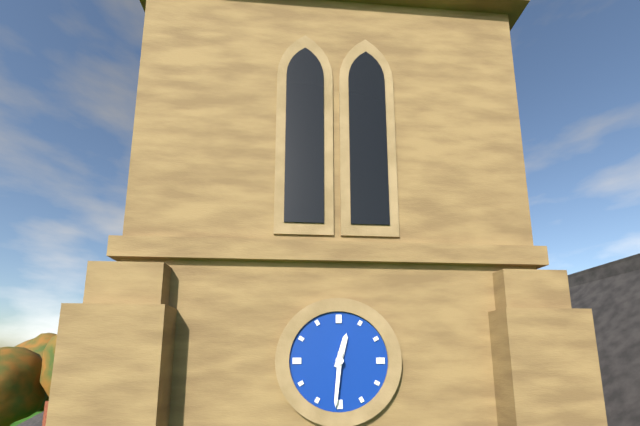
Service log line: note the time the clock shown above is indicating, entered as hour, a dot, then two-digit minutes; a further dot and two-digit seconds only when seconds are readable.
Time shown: 12.31
